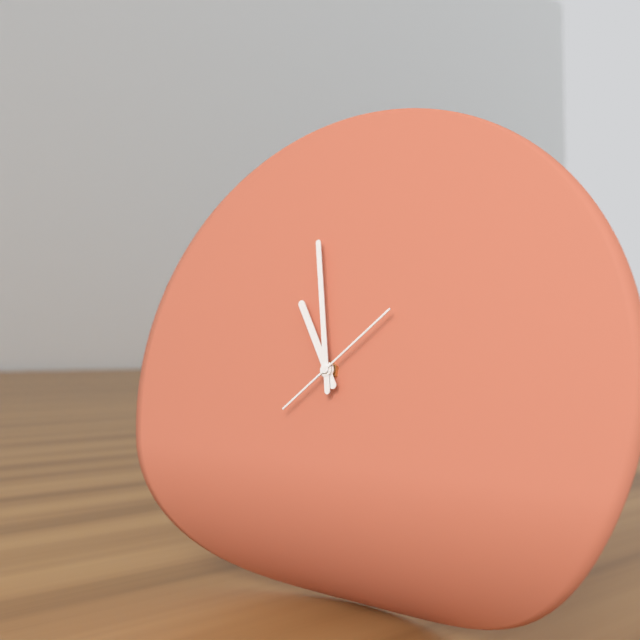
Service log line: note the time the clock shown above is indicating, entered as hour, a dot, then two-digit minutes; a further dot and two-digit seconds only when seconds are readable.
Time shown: 10.58.08
